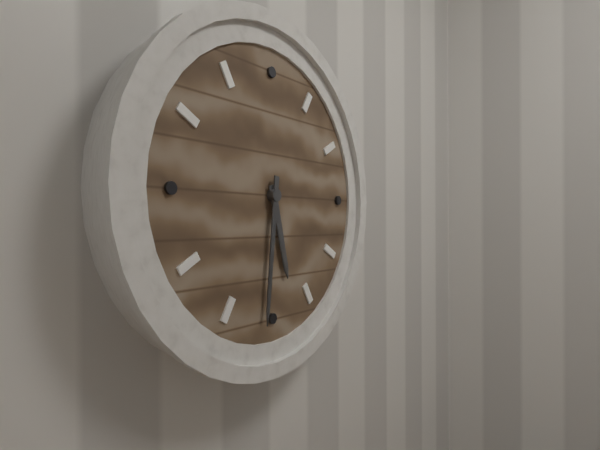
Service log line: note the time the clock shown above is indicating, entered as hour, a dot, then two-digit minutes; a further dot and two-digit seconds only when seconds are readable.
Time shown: 5.31
